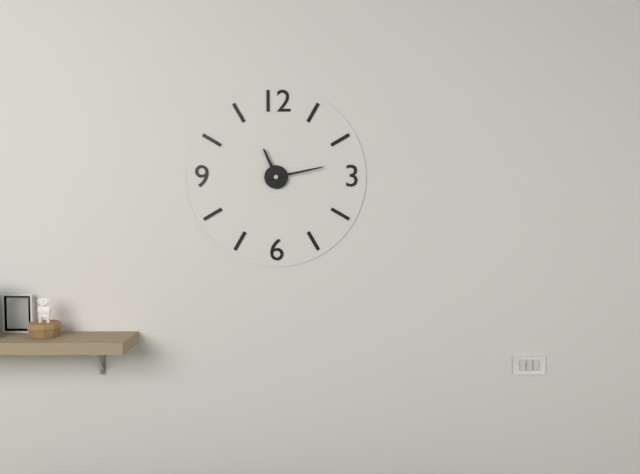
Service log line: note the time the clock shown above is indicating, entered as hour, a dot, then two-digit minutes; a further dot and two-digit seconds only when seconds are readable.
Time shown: 11.13
